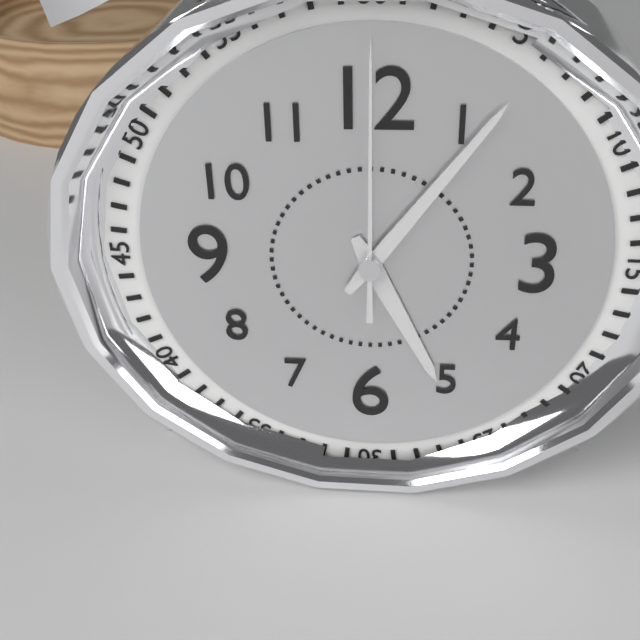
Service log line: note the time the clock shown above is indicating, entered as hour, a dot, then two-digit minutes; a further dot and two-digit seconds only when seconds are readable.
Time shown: 5.06.00
